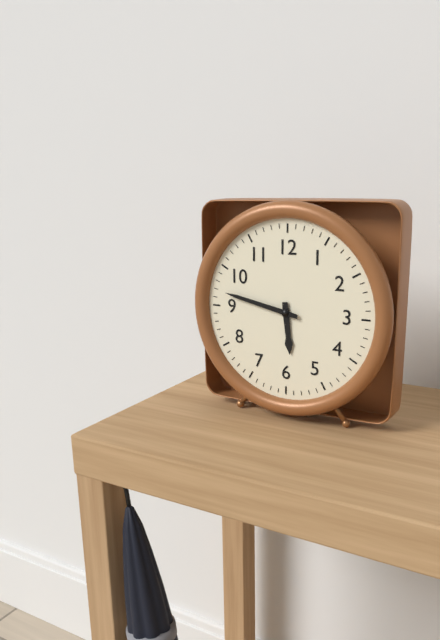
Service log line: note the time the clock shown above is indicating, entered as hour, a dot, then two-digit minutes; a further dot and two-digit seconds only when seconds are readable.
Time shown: 5.47
